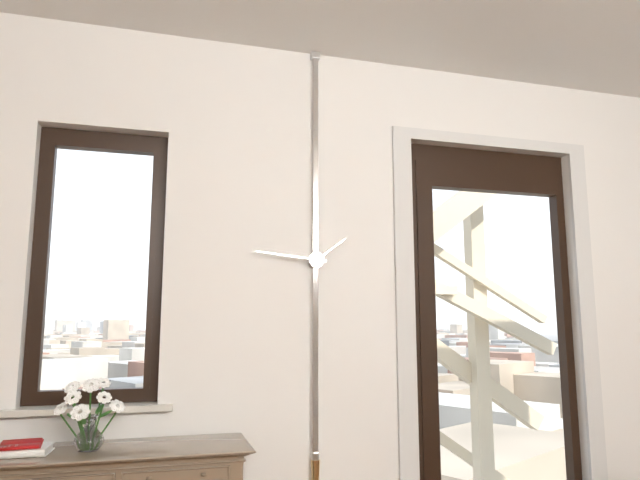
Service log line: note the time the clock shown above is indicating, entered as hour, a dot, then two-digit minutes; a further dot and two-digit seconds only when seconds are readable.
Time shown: 1.46
